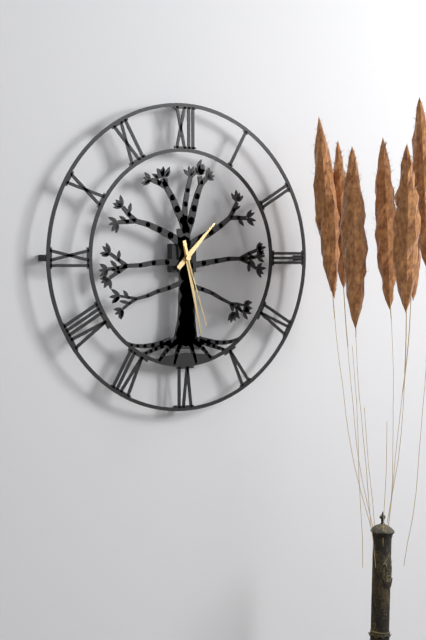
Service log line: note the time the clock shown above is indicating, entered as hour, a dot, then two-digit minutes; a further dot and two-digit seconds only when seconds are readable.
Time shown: 1.28.27
